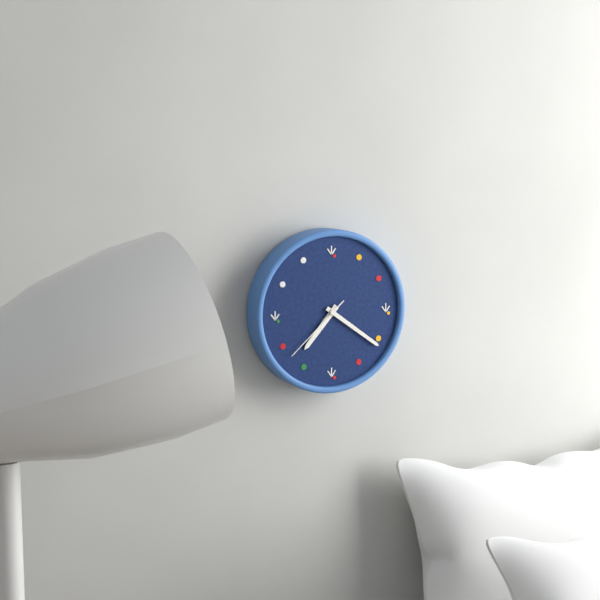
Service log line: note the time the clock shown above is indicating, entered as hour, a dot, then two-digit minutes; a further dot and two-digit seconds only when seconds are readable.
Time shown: 7.21.38
